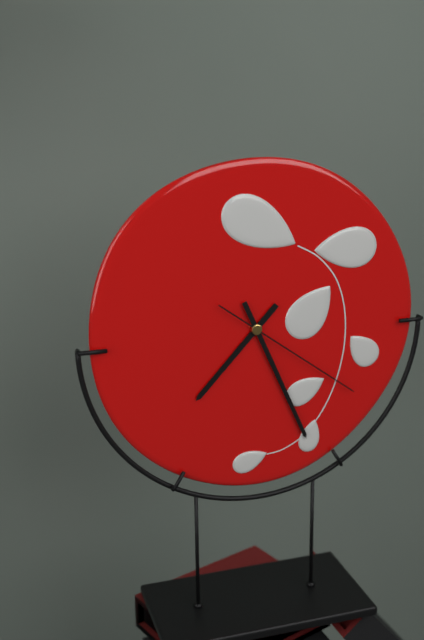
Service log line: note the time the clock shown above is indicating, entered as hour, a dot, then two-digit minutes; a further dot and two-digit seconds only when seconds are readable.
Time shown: 7.26.21
